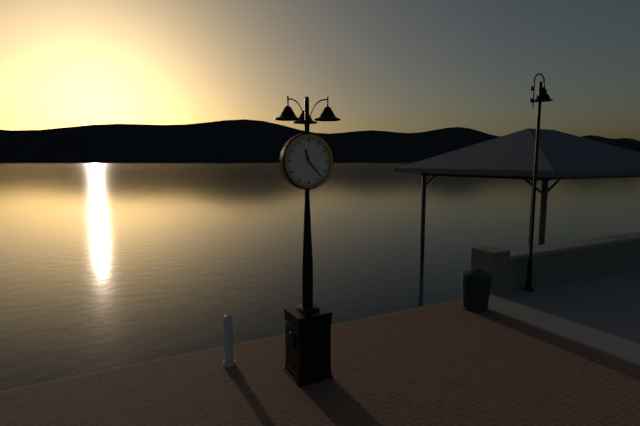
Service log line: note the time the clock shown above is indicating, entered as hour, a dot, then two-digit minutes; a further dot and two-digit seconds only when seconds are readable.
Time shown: 11.23
